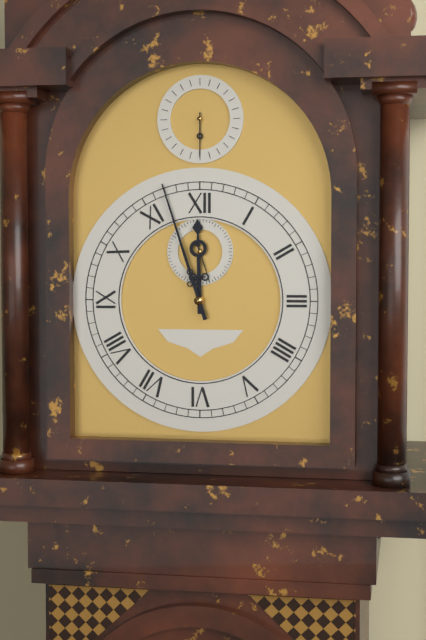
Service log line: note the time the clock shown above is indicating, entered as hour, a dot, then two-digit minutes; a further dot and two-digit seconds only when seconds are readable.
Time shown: 11.57
